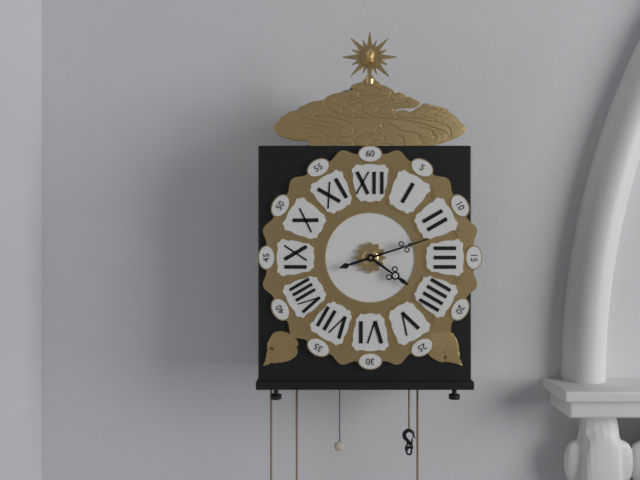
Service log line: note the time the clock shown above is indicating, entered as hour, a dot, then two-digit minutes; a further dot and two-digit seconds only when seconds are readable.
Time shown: 4.12
